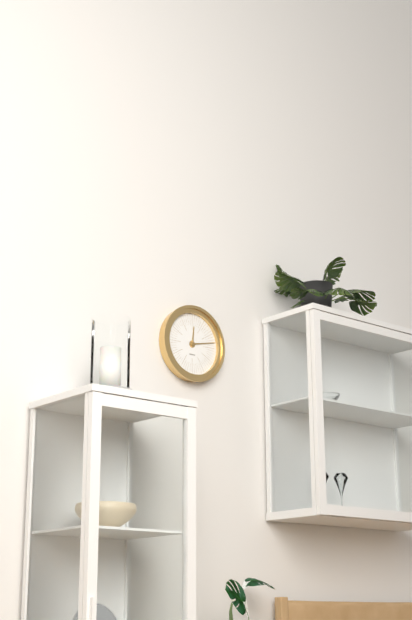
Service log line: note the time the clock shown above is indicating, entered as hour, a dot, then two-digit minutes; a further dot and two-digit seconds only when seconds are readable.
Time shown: 12.13
